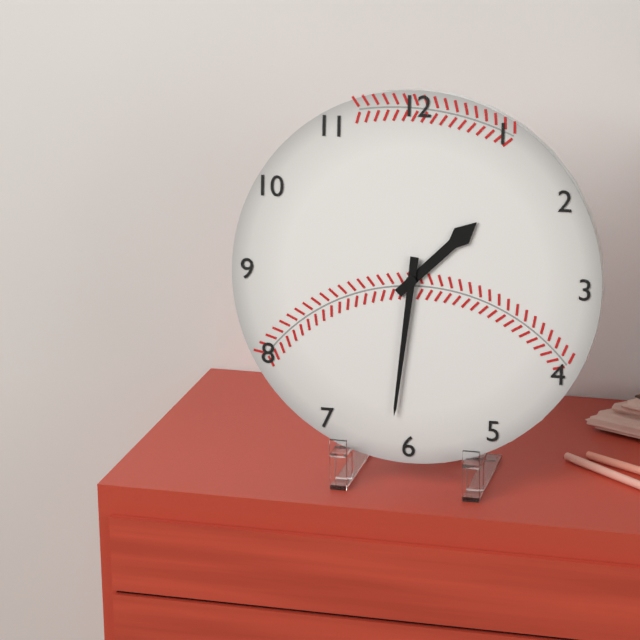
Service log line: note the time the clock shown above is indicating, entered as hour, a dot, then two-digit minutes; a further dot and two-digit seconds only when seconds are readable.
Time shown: 1.31
